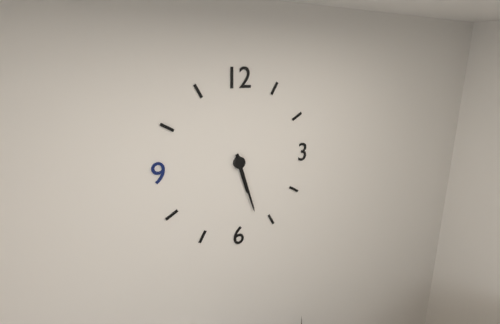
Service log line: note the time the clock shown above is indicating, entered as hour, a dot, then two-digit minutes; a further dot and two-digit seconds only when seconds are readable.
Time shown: 5.27
